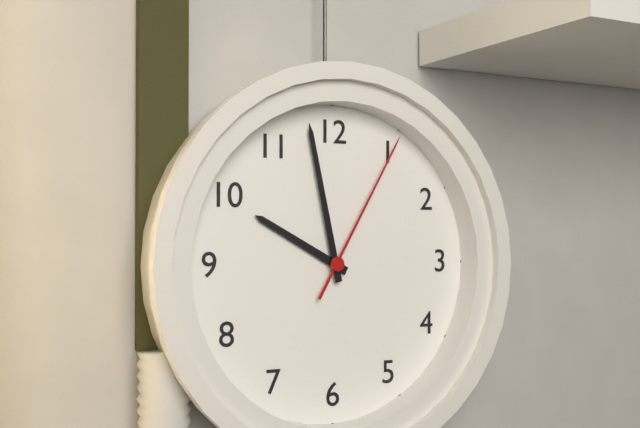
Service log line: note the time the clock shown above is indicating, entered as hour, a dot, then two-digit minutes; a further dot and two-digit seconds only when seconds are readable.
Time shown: 9.58.05
